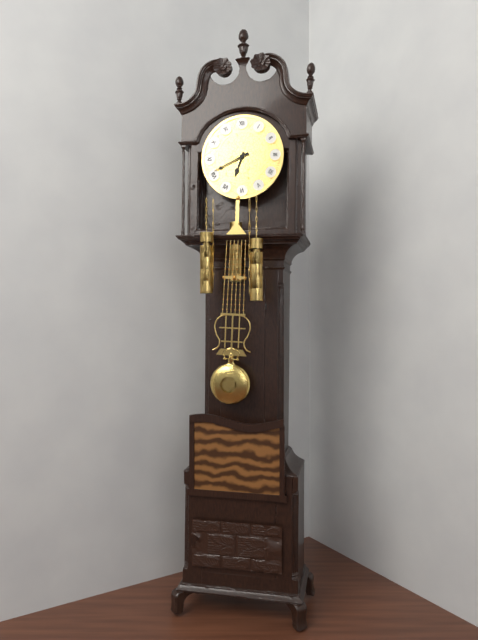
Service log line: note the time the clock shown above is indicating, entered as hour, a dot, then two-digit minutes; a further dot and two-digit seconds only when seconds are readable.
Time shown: 6.41
